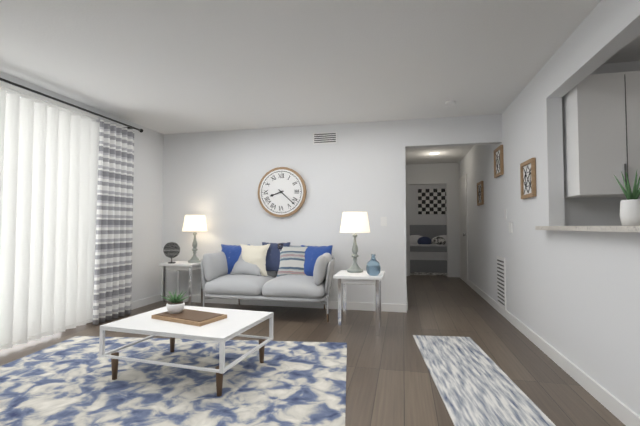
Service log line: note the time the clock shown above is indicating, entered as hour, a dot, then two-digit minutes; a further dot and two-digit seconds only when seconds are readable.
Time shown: 8.22
